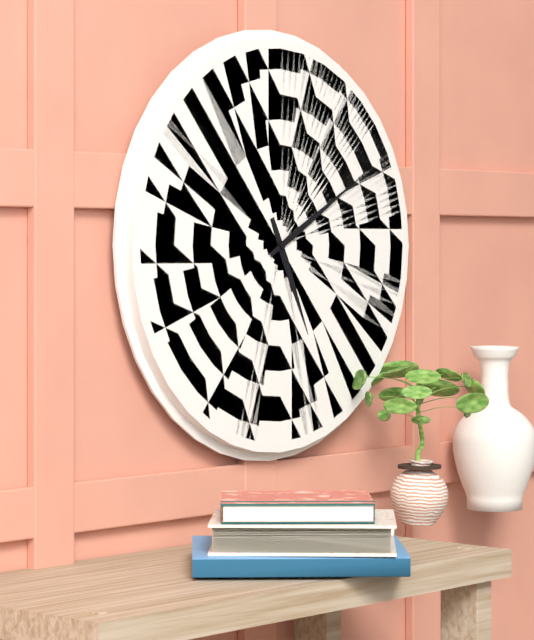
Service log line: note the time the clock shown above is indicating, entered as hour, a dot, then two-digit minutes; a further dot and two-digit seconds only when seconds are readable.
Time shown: 5.10
